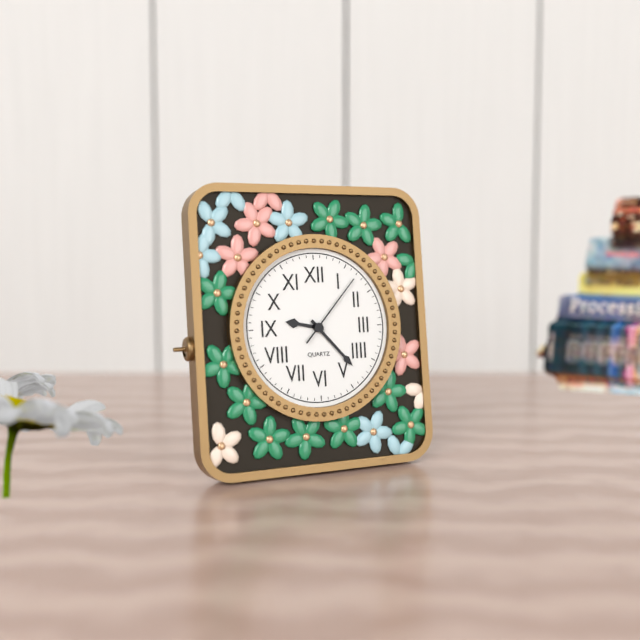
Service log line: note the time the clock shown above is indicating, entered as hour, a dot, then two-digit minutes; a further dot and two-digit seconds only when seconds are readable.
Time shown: 9.23.07
